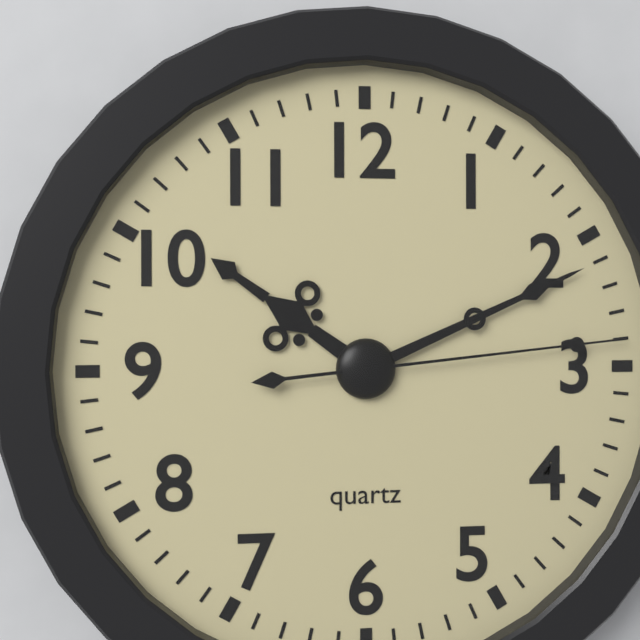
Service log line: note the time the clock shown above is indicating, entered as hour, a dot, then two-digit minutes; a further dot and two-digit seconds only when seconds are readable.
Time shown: 10.11.14
